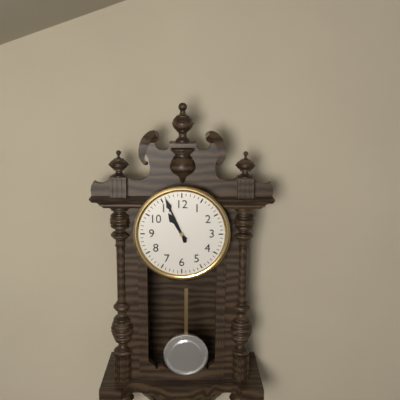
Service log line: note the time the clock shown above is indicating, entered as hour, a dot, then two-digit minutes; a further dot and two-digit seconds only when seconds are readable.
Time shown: 10.56
